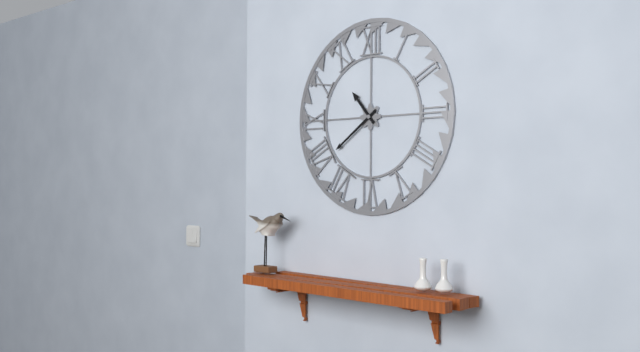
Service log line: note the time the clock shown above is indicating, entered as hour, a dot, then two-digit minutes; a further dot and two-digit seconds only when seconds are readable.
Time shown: 10.39
